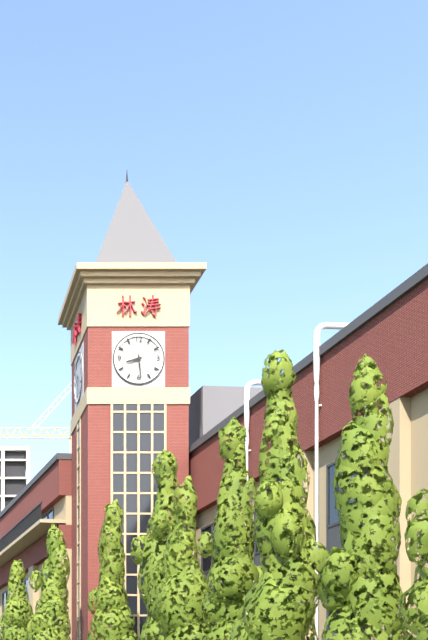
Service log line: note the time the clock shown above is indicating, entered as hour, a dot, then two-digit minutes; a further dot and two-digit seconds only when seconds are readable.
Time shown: 8.29
